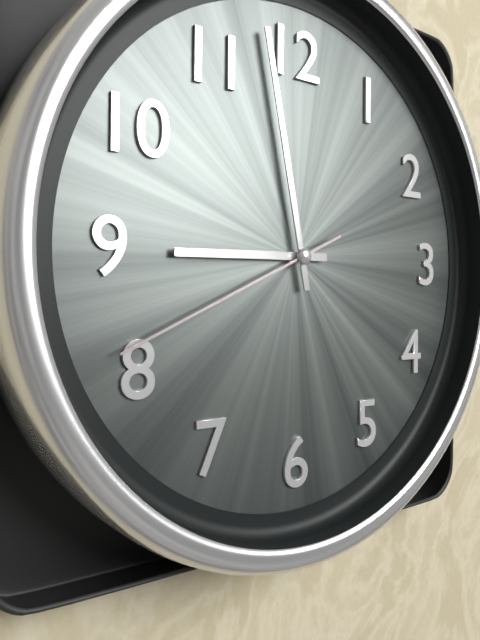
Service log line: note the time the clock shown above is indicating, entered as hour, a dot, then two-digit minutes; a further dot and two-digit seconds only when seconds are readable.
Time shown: 8.58.41
